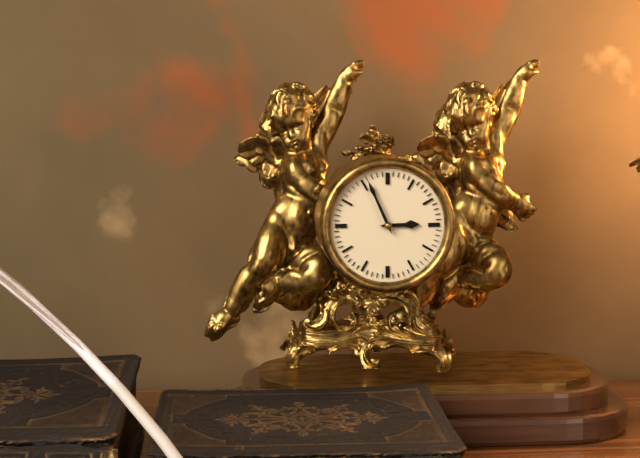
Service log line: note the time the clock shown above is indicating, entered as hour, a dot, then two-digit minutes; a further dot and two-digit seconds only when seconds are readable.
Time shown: 2.56
